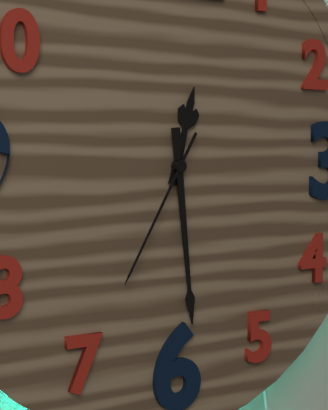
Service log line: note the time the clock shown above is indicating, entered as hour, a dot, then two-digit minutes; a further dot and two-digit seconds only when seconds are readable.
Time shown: 12.29.35
